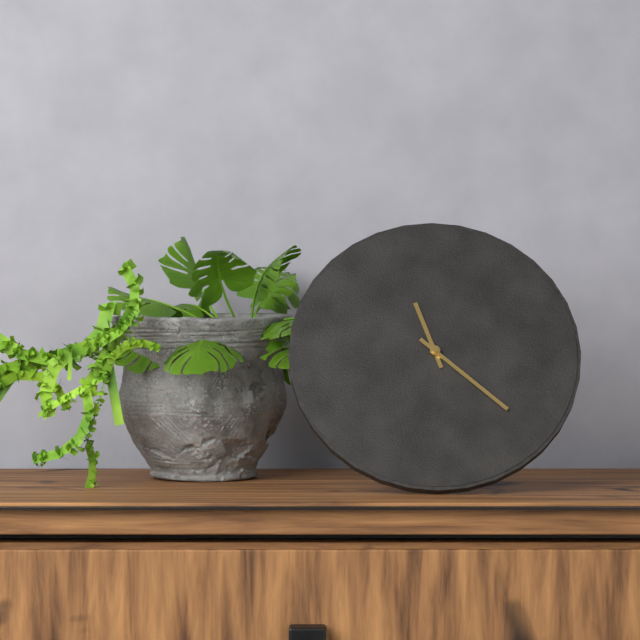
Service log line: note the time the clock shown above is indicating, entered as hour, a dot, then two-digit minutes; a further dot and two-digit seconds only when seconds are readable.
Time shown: 11.22
